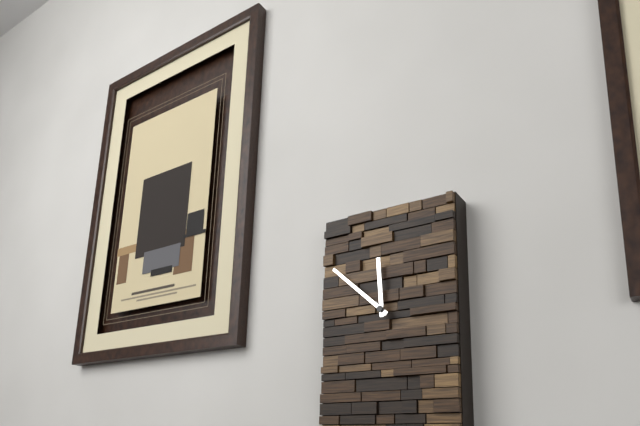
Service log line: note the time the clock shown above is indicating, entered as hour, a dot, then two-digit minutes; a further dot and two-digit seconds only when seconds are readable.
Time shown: 11.52
